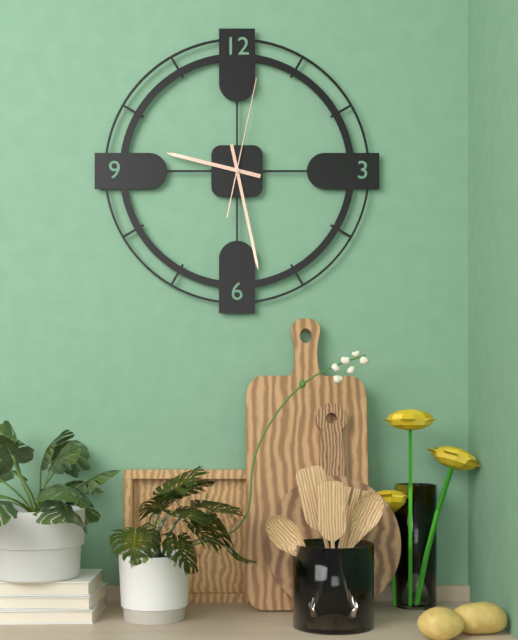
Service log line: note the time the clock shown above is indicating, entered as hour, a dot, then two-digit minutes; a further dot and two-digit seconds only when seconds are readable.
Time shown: 9.28.02
